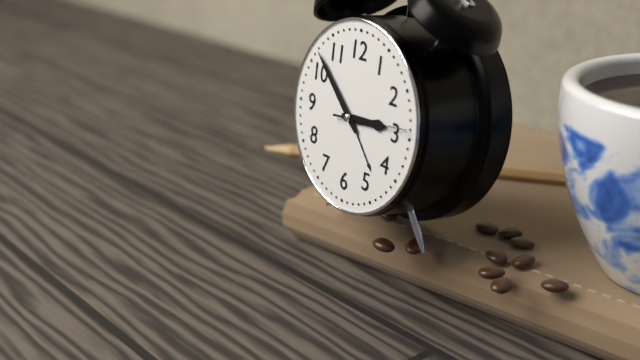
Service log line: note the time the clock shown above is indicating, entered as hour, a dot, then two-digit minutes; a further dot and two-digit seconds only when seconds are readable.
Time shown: 2.52.14
